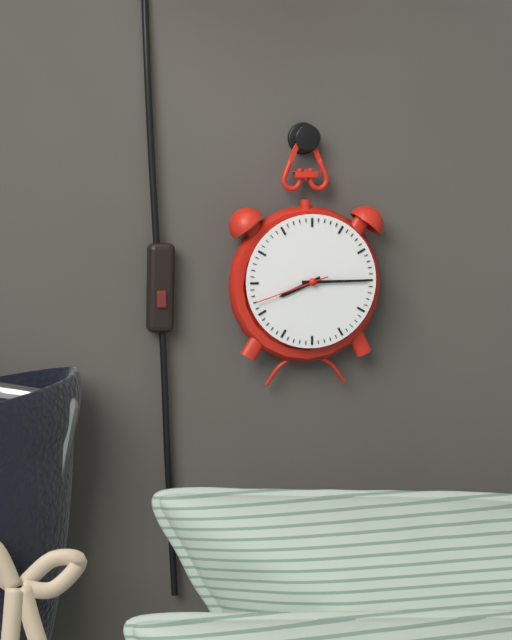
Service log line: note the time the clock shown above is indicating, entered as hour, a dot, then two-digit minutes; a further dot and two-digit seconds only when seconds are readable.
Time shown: 8.15.42
